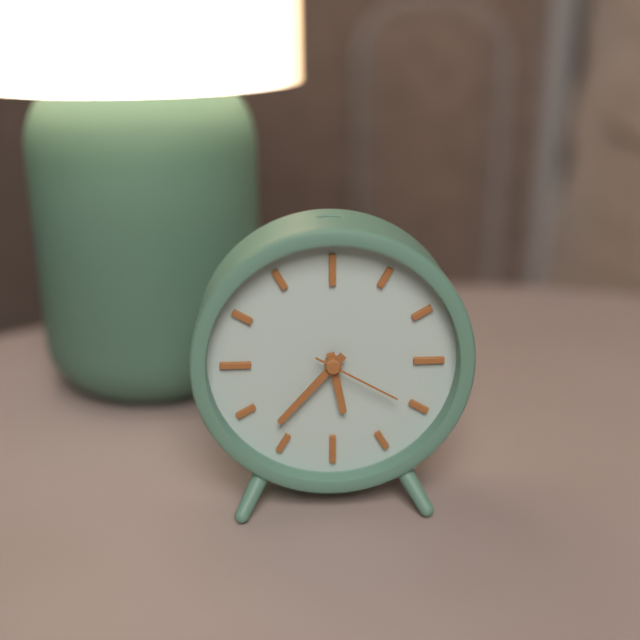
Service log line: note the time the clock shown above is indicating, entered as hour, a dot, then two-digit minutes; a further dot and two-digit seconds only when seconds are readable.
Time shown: 5.37.20
